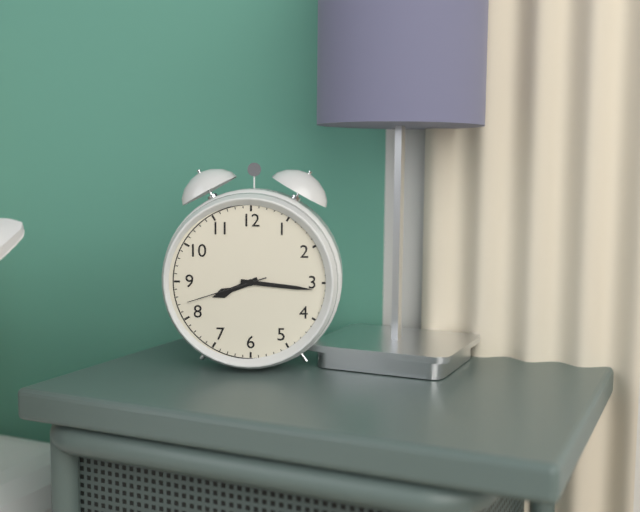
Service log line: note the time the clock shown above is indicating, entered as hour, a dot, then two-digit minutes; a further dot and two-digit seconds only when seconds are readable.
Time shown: 8.16.42
